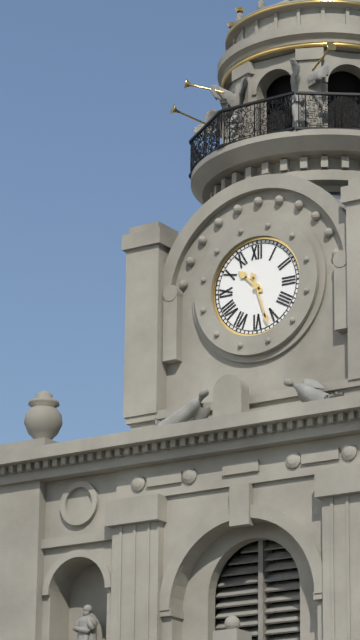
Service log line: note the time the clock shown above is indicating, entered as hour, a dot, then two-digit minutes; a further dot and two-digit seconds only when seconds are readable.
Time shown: 10.27
